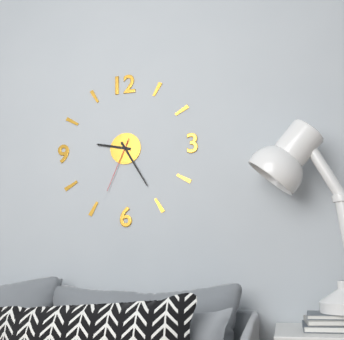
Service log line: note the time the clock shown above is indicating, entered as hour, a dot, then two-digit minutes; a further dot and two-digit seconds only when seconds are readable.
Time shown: 9.25.34
